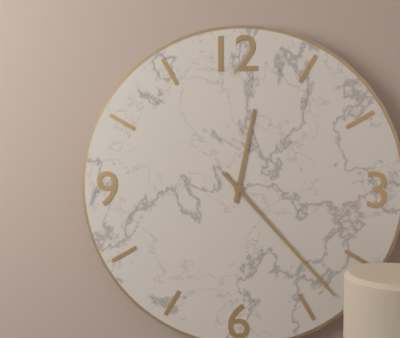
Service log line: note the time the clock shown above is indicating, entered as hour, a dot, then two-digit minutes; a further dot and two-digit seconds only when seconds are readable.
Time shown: 12.23
